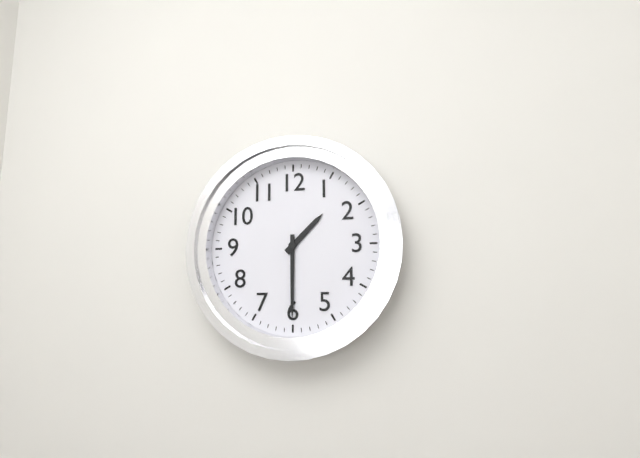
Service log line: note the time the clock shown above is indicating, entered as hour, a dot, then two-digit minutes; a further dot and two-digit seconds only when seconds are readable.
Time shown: 1.30
